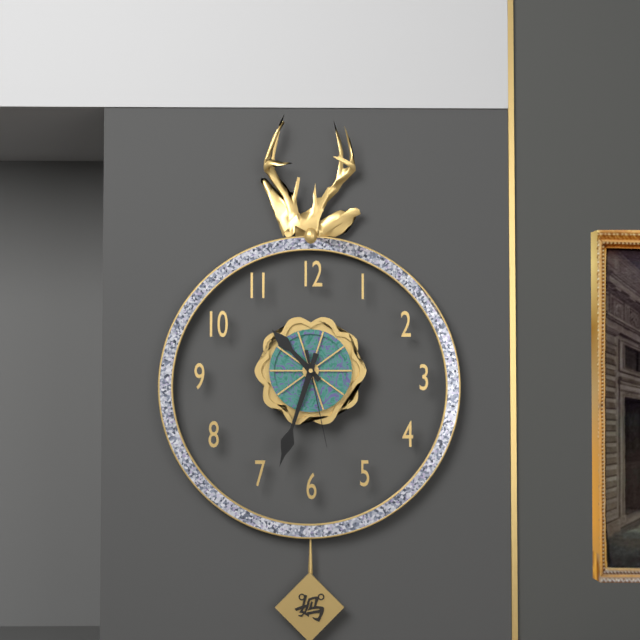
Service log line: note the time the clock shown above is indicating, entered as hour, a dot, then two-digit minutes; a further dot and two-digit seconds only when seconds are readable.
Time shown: 10.33.28
